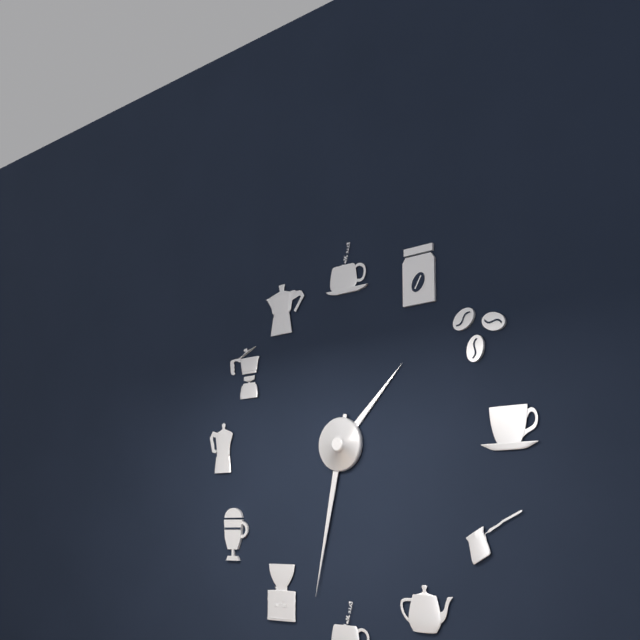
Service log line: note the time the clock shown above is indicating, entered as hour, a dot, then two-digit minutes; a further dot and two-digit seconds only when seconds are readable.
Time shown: 1.32
